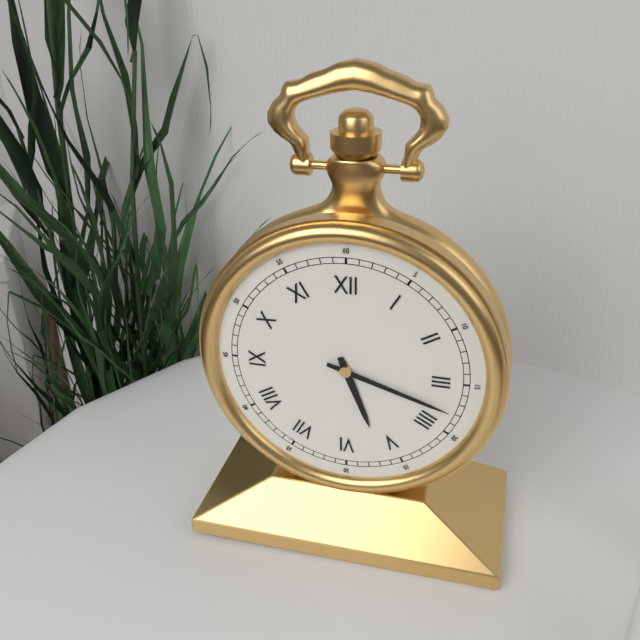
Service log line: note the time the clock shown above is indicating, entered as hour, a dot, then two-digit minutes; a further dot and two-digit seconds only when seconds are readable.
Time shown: 5.18
